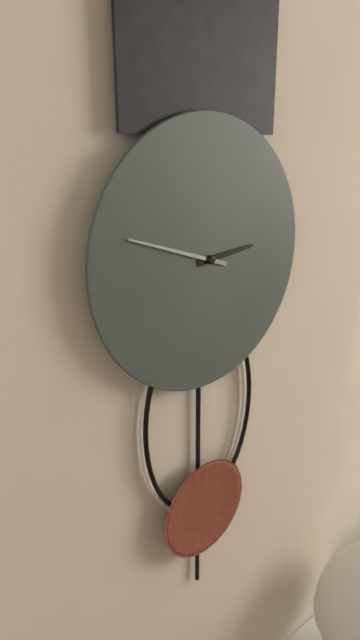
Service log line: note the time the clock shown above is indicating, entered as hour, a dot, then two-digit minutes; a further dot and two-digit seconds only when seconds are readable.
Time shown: 2.48
